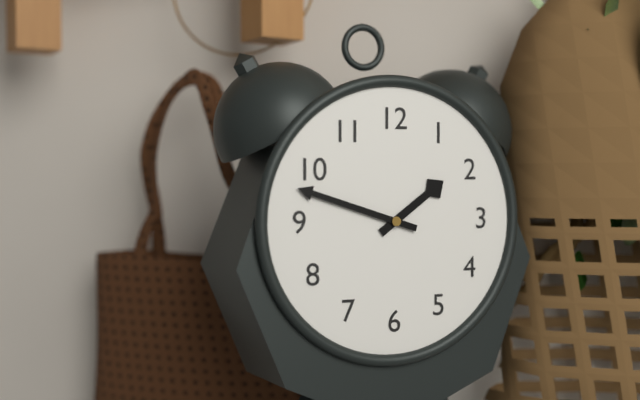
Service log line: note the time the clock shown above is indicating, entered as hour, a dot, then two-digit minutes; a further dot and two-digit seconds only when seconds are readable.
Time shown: 1.48
